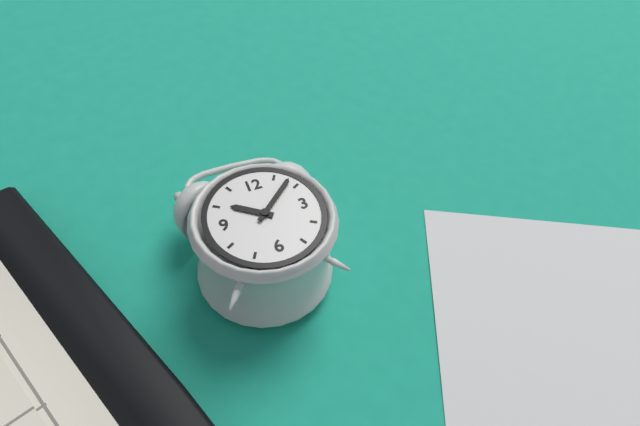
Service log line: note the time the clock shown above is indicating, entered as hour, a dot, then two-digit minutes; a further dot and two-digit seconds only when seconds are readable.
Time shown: 10.08
